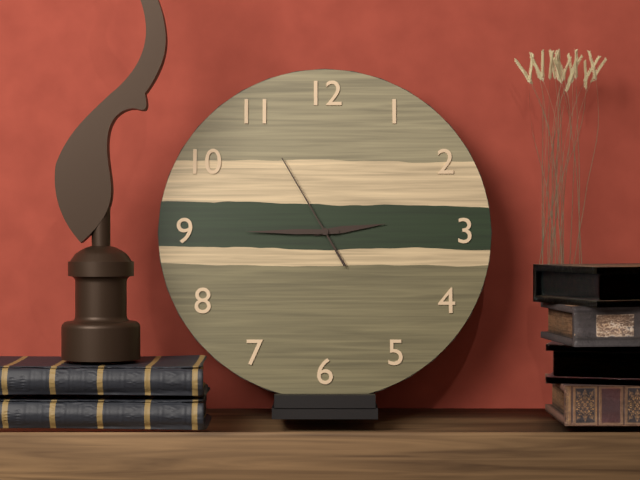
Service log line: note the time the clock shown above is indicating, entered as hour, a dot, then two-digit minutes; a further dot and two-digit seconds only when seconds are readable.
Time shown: 2.45.55
